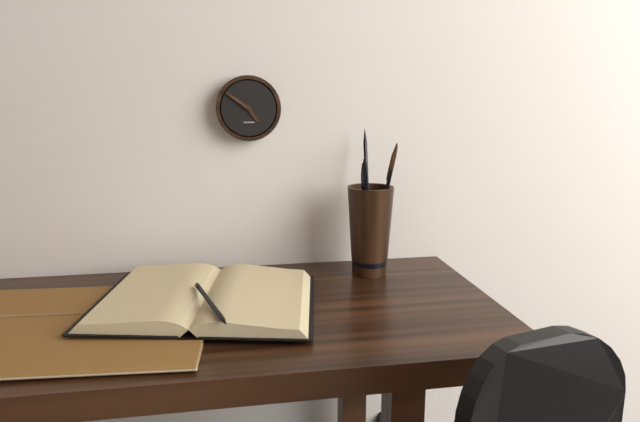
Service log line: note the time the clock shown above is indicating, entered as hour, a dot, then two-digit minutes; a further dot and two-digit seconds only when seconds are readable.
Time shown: 4.51
